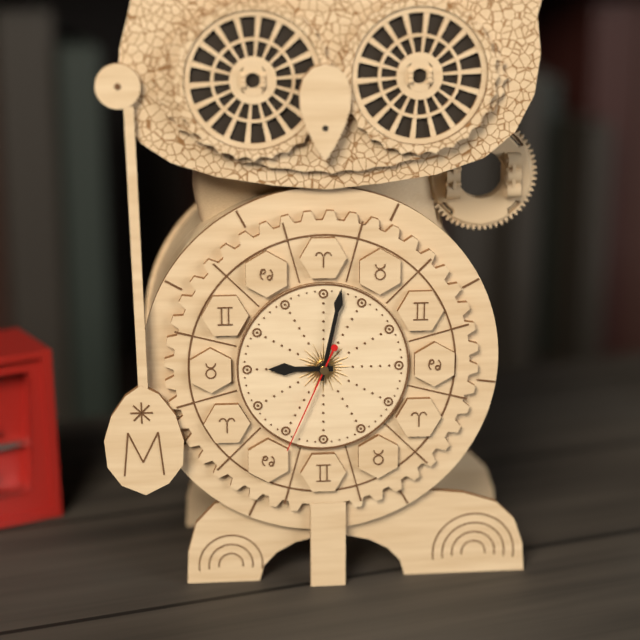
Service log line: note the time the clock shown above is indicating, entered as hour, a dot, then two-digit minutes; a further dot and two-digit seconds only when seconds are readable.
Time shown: 9.02.34
